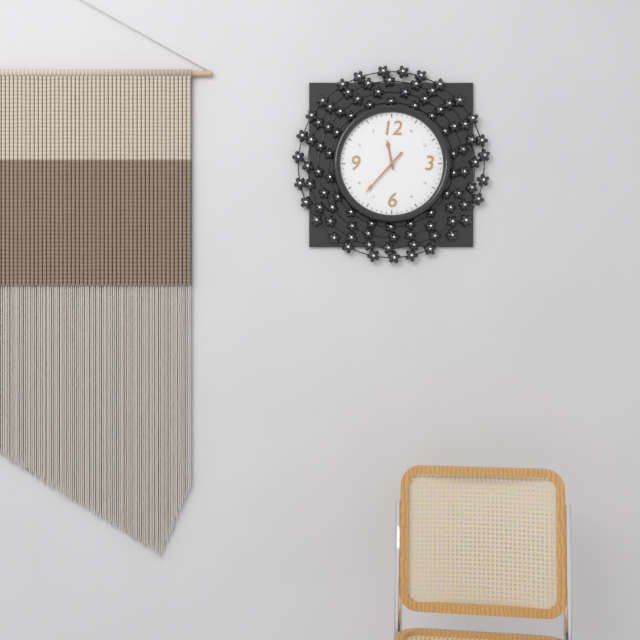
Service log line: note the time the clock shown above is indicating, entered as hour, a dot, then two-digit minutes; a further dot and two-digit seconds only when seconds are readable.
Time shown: 11.37
